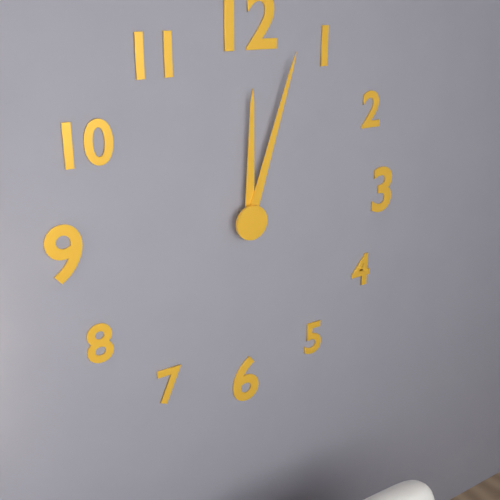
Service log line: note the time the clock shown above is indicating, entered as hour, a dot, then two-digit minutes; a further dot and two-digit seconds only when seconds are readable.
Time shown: 12.03
